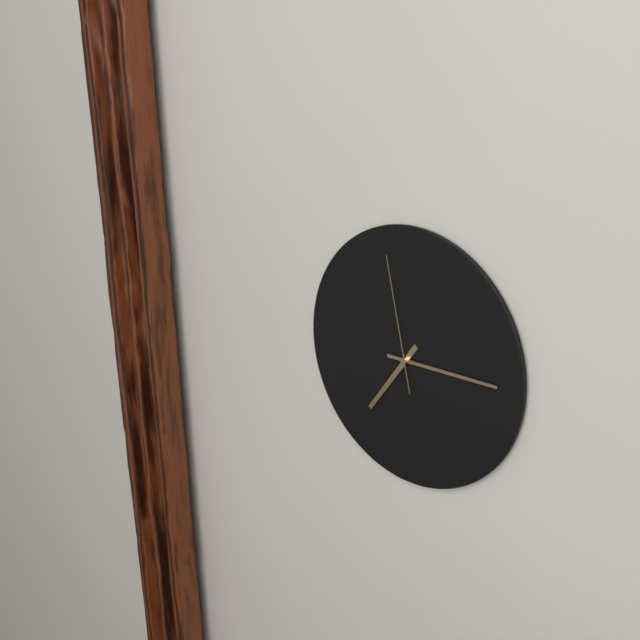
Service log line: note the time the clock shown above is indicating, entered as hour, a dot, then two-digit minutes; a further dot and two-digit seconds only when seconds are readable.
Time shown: 7.15.58
